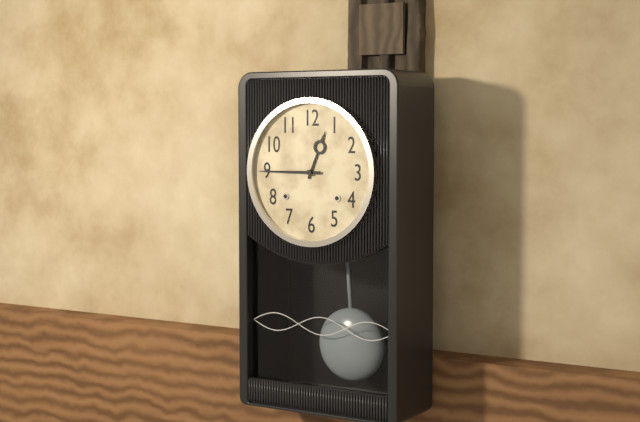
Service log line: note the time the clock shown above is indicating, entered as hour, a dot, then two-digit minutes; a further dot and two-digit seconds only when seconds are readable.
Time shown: 12.45
